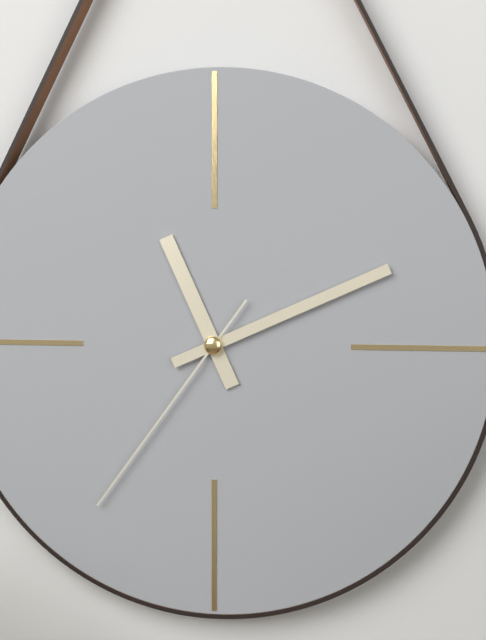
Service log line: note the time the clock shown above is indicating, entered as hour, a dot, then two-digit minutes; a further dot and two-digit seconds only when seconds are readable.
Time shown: 11.11.36
